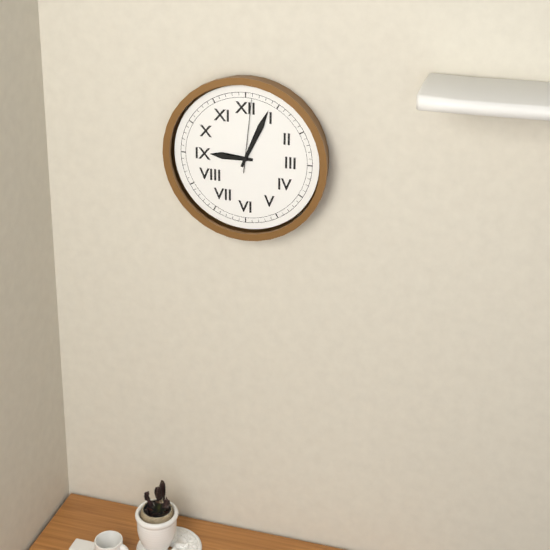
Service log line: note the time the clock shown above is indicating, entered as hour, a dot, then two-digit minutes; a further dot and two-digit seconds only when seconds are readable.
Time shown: 9.04.01
